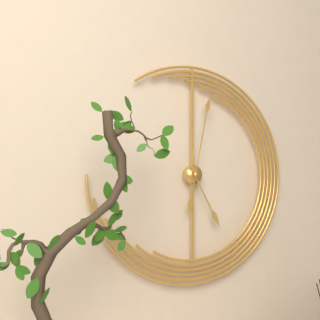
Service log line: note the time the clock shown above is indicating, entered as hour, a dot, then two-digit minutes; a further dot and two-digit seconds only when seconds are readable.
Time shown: 5.02
